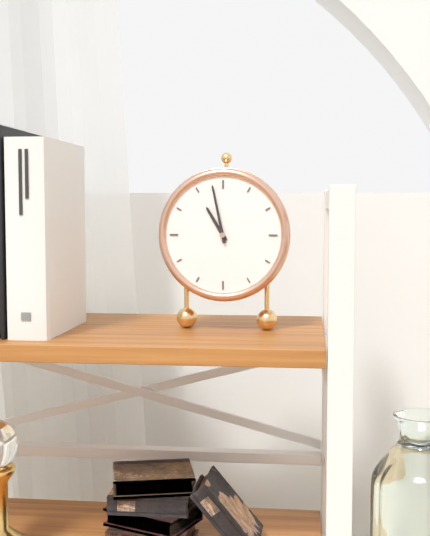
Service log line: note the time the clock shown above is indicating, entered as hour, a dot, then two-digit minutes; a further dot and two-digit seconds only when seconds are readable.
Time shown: 10.58
